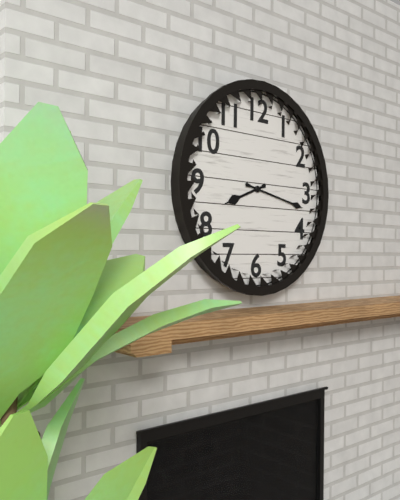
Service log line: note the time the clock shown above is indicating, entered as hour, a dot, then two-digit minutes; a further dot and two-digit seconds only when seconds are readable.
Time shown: 8.17
